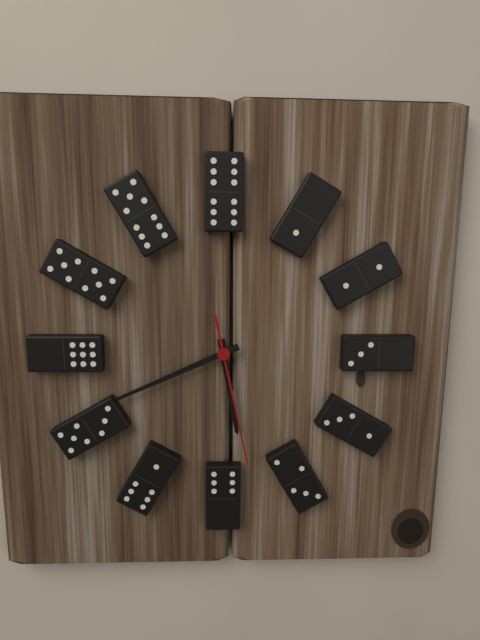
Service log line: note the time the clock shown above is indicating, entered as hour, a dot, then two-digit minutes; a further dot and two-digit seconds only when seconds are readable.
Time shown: 5.41.28
